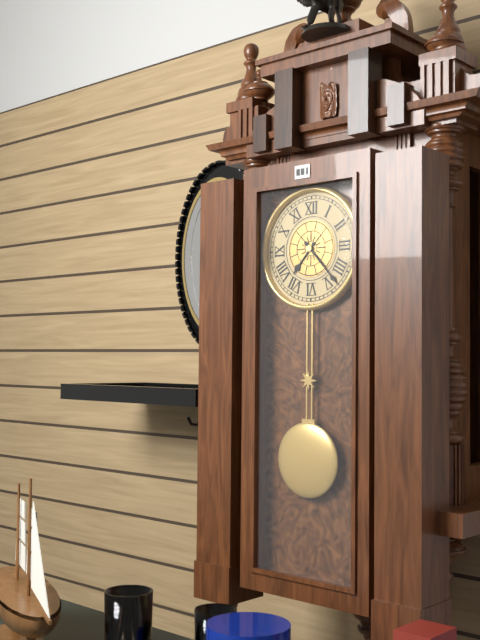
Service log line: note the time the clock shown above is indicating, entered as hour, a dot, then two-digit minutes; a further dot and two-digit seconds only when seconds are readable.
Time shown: 7.23
